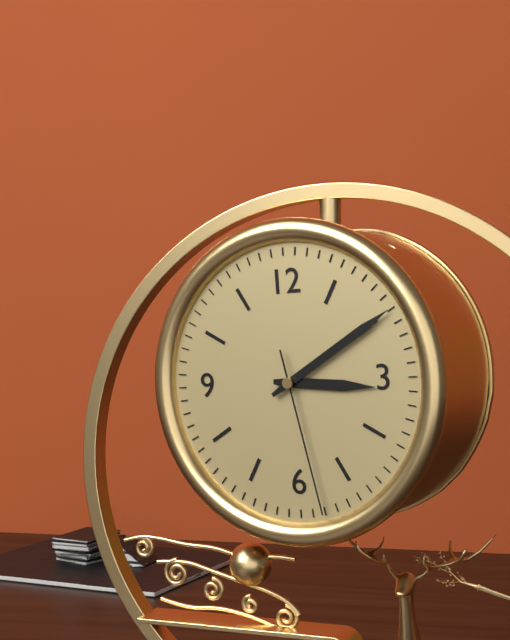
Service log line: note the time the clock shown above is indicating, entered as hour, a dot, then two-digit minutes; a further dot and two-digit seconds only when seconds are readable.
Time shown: 3.10.28
